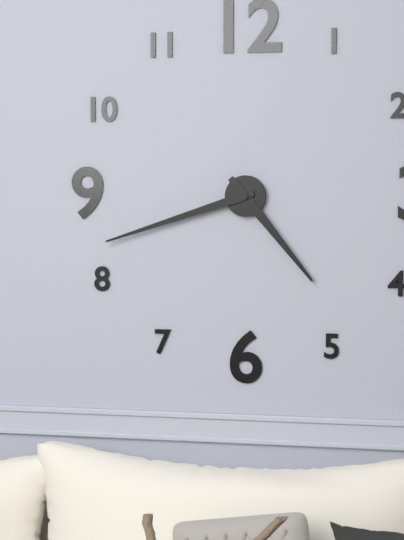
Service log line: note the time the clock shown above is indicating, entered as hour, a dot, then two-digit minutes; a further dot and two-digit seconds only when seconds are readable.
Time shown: 4.42
